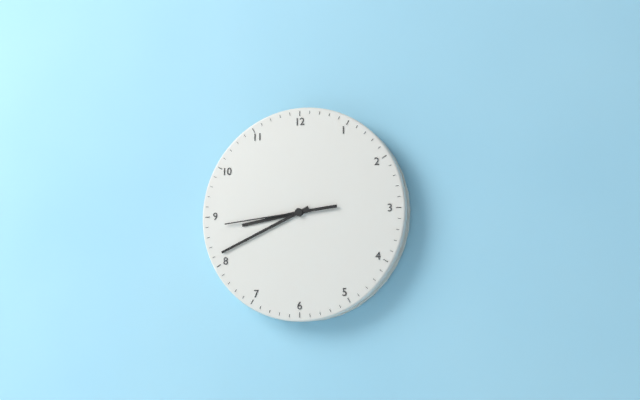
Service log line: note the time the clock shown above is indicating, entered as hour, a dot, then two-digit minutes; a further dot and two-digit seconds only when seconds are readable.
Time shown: 8.41.44
